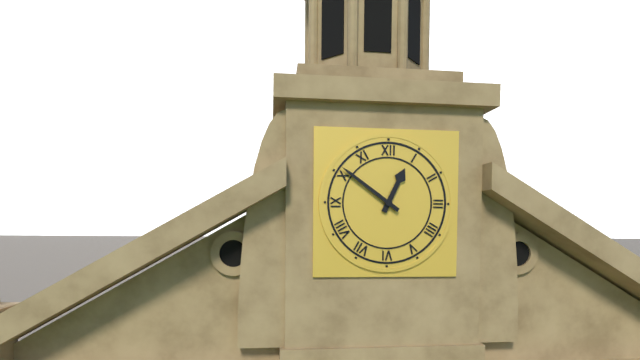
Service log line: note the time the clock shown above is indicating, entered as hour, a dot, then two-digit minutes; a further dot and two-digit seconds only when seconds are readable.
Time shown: 12.51
